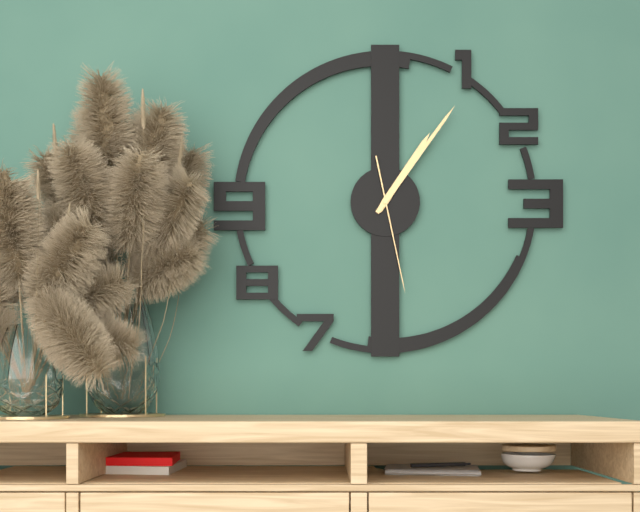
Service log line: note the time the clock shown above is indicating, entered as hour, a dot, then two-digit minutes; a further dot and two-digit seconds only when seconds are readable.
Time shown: 1.06.28
